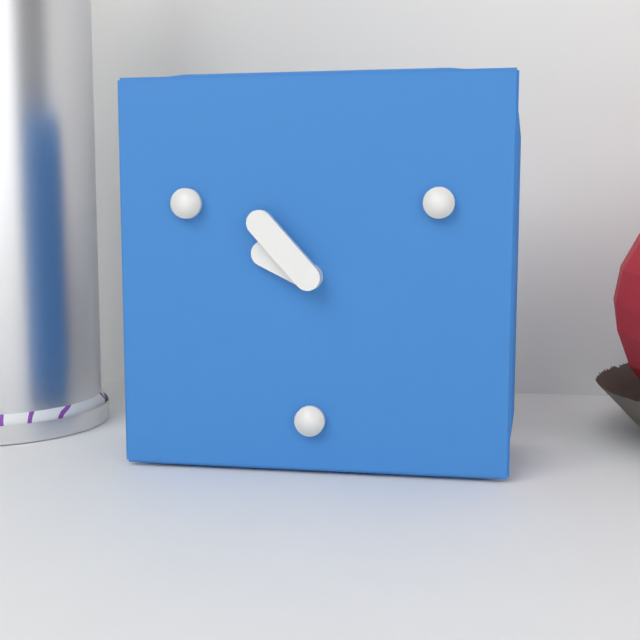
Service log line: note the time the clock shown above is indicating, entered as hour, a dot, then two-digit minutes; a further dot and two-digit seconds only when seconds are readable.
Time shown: 9.53
